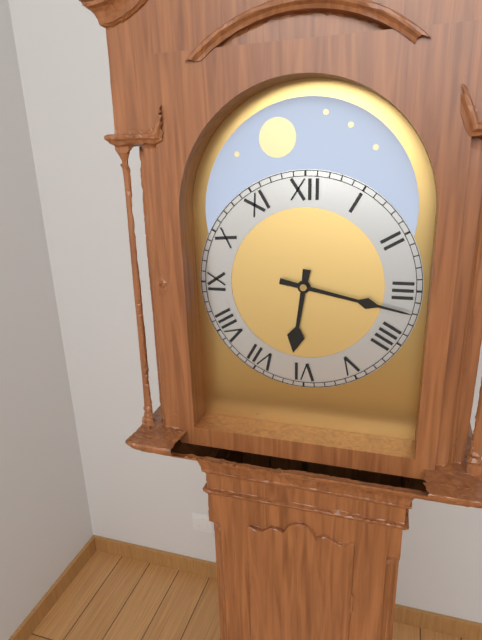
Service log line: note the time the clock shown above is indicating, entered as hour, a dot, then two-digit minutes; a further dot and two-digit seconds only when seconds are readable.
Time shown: 6.17
